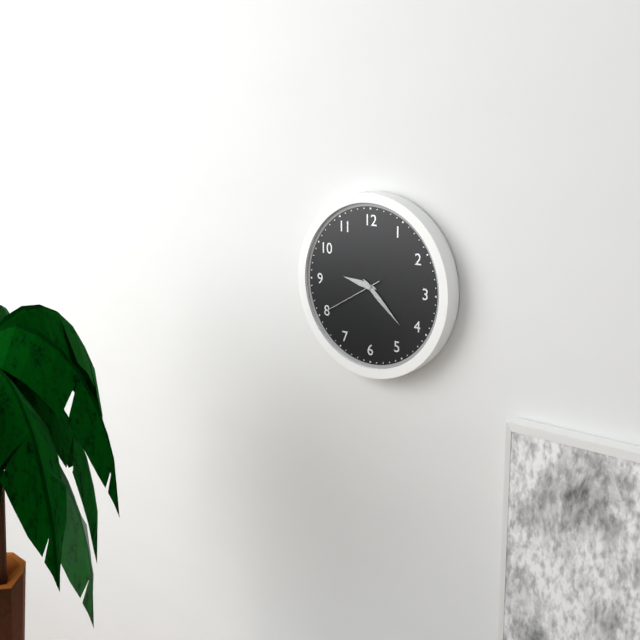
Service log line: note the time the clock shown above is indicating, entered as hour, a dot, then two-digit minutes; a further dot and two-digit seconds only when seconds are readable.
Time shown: 9.22.40
